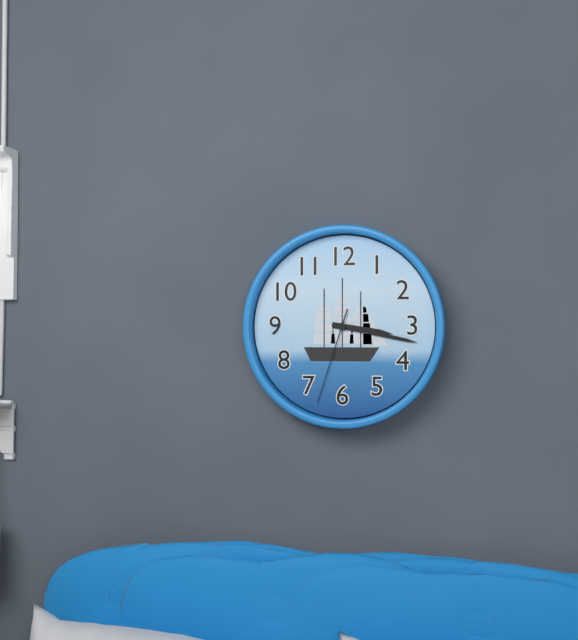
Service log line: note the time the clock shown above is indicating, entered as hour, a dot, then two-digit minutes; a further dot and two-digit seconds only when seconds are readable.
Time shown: 3.17.33
